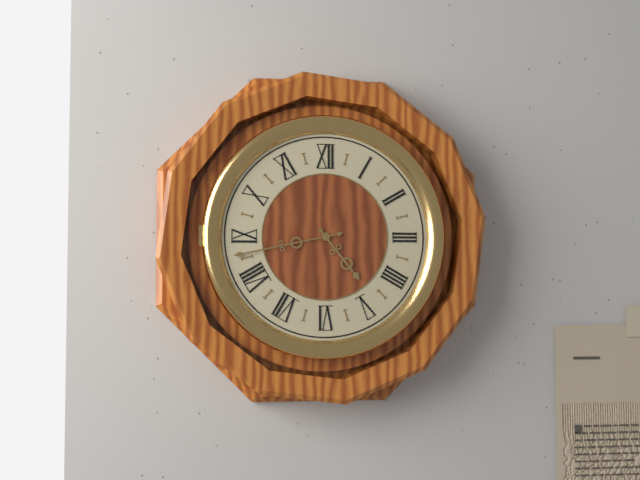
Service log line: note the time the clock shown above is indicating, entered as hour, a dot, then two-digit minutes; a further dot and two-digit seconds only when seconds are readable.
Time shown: 4.43
